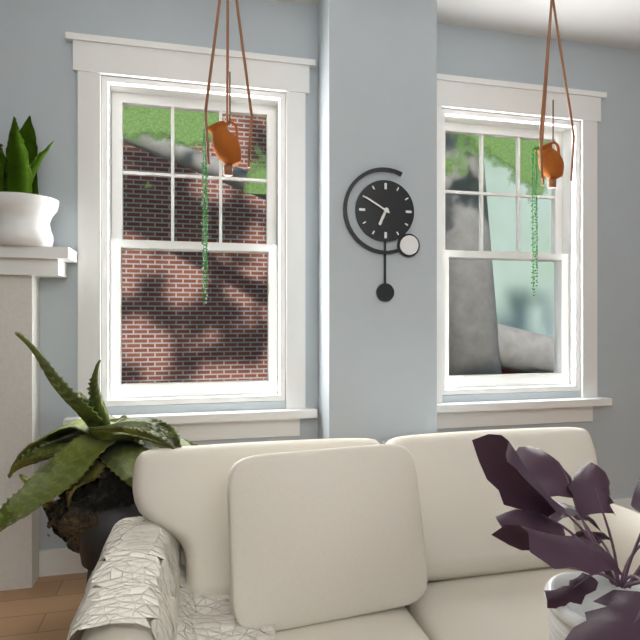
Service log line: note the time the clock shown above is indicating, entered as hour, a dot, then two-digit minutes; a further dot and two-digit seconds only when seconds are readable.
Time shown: 6.50
